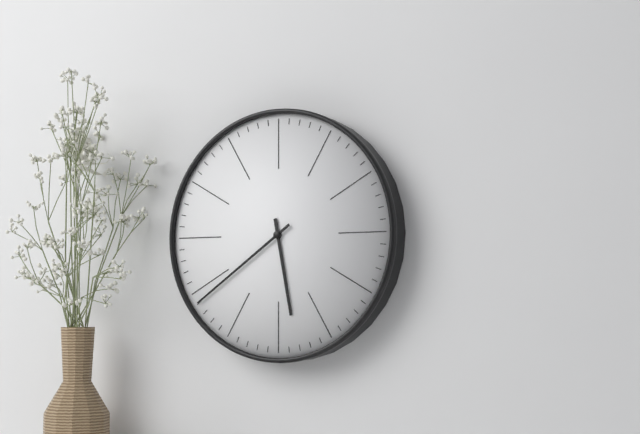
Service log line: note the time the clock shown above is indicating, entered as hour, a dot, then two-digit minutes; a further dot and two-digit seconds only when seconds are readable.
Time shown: 5.39
